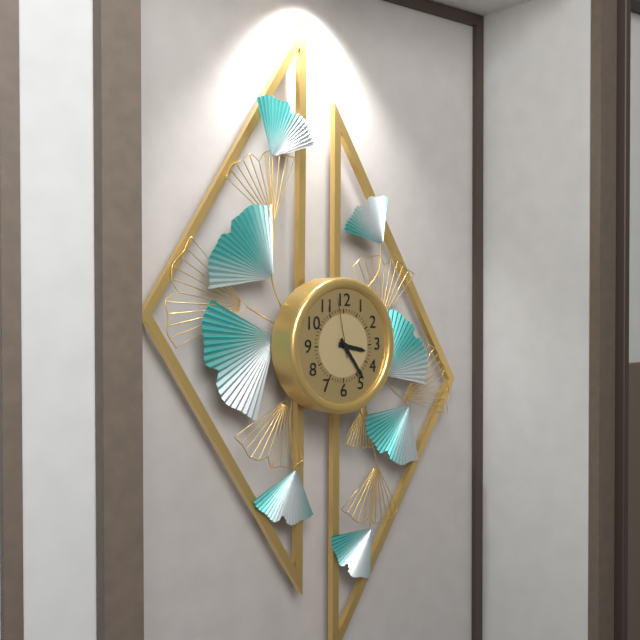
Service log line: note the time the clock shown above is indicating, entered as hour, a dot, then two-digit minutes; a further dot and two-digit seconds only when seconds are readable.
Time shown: 3.24.58
